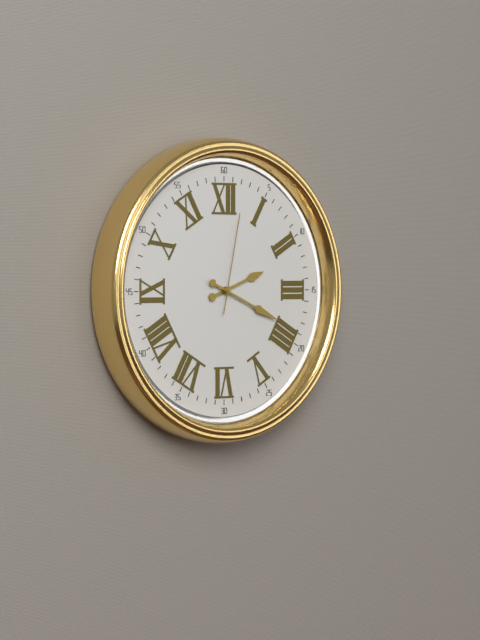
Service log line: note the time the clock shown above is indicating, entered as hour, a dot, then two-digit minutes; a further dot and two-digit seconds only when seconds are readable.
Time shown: 2.19.02
